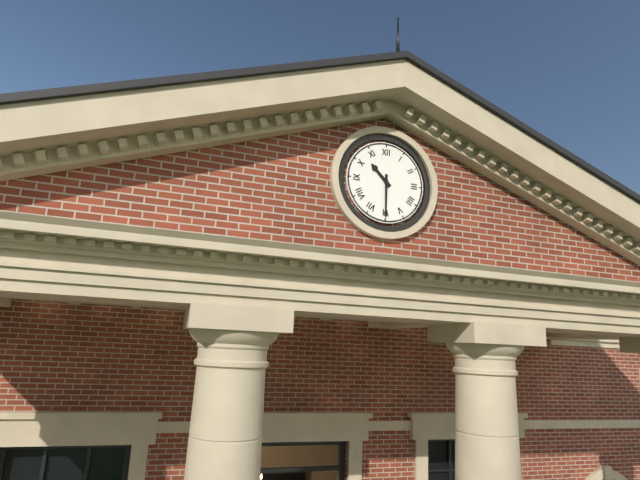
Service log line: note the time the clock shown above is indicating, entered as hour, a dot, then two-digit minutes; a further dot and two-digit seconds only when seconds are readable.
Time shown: 10.30
